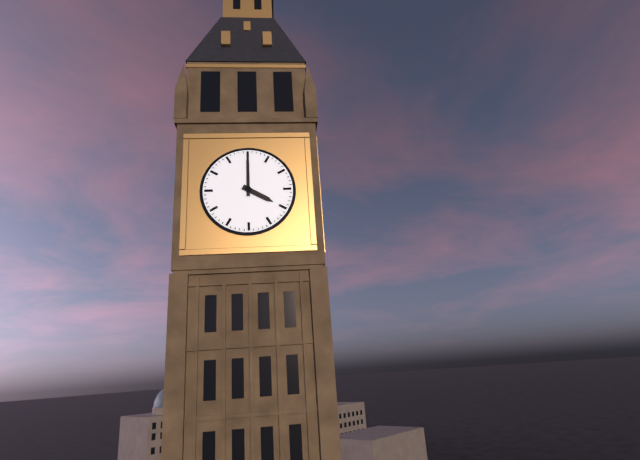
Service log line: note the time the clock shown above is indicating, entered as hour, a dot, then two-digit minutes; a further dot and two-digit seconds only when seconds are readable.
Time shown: 4.00
